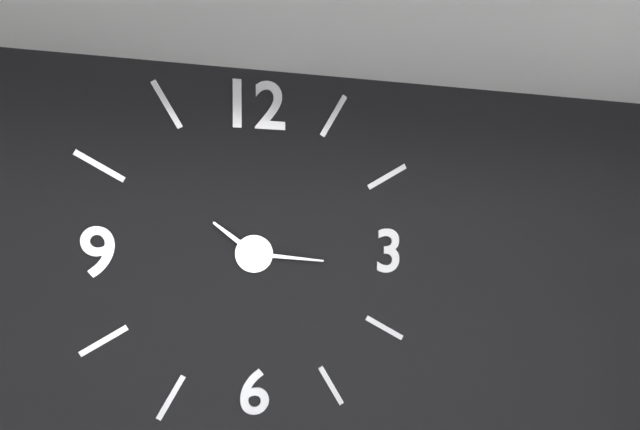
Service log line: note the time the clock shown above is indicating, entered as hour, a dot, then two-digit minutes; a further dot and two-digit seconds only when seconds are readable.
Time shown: 10.16
